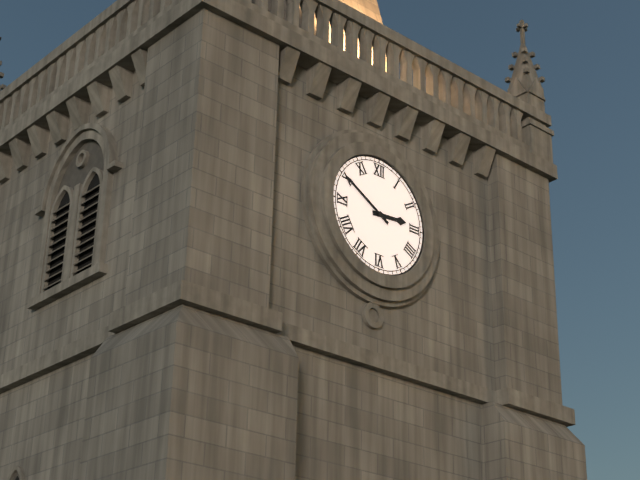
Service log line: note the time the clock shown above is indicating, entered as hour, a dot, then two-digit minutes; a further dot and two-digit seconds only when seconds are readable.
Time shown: 2.50
